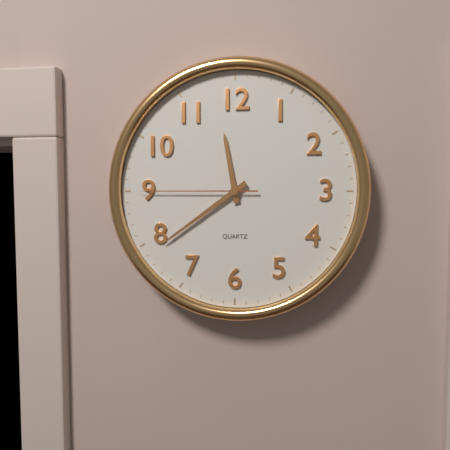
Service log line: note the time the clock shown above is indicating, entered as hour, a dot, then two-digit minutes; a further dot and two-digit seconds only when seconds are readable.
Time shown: 11.39.45
